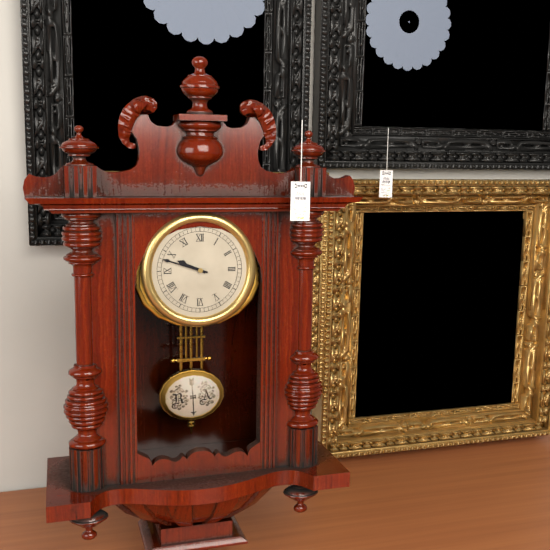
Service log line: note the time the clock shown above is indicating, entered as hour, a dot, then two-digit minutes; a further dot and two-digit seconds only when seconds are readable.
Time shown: 9.48
